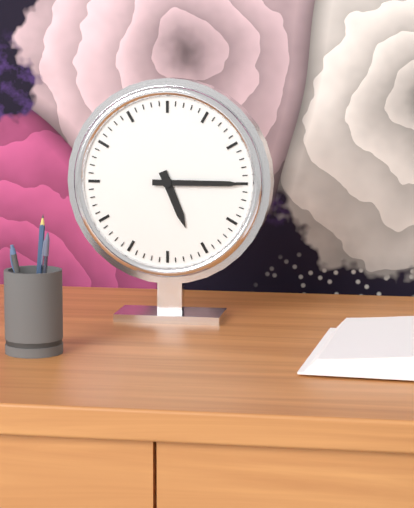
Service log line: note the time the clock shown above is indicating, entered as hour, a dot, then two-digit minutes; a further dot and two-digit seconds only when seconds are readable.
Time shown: 5.15
